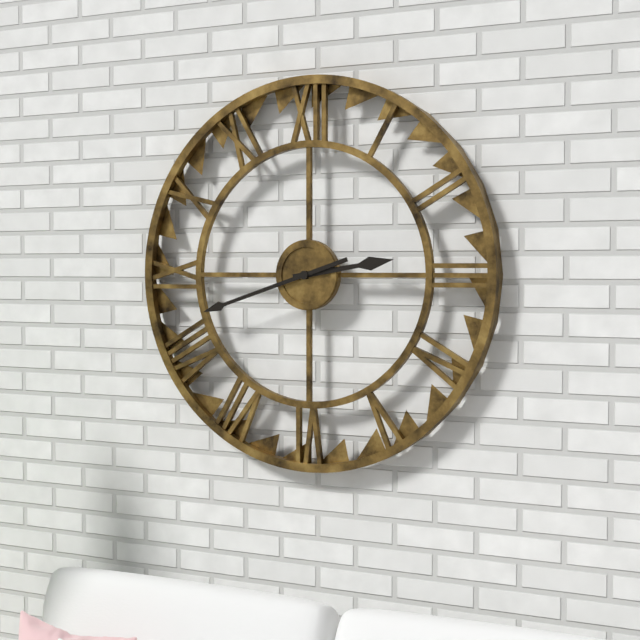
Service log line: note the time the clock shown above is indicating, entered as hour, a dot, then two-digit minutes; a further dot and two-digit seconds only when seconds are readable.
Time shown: 2.42
